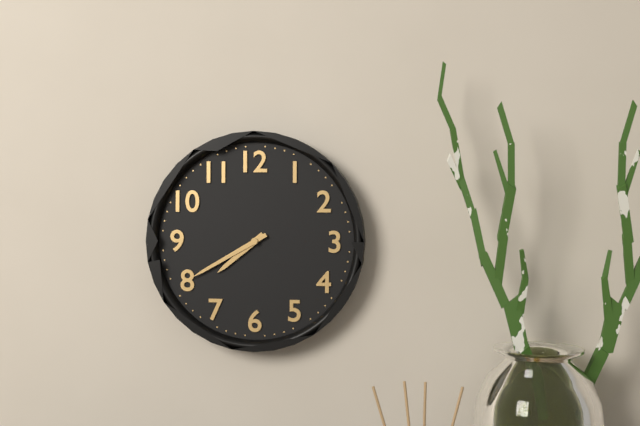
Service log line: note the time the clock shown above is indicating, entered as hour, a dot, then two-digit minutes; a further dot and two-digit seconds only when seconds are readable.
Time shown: 7.40
